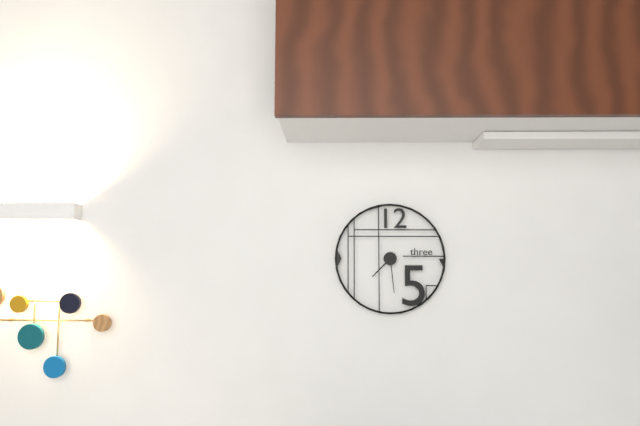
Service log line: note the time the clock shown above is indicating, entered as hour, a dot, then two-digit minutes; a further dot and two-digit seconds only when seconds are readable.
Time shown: 7.29
